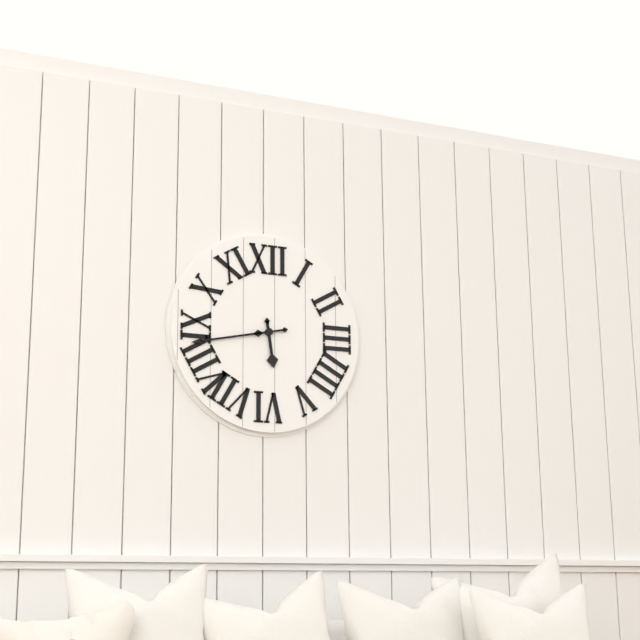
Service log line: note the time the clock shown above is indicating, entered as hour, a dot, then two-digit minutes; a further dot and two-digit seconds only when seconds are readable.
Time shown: 5.43
